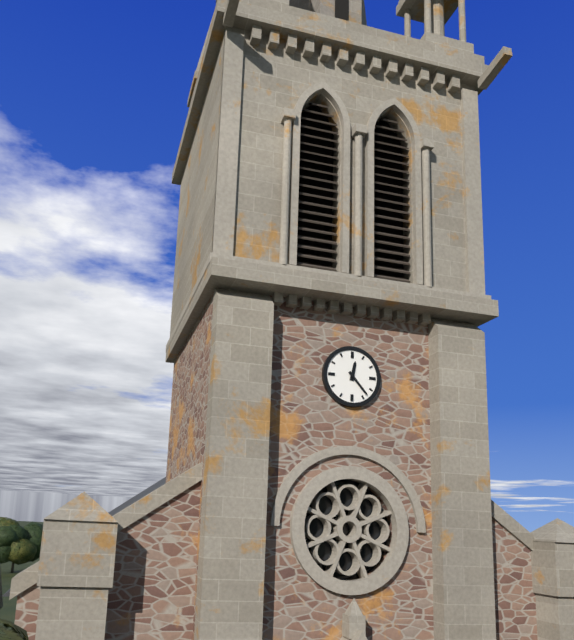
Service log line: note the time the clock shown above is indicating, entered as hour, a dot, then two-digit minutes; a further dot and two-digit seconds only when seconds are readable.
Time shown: 12.23
